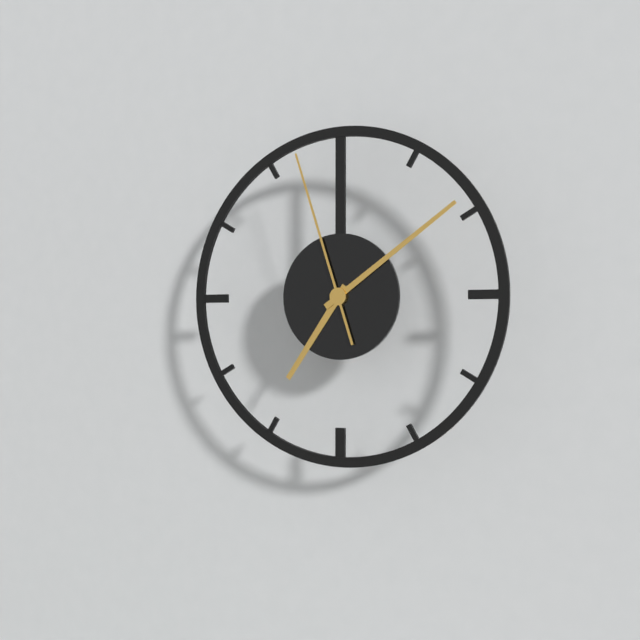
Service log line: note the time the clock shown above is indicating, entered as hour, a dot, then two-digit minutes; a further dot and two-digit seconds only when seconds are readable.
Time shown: 7.09.57
